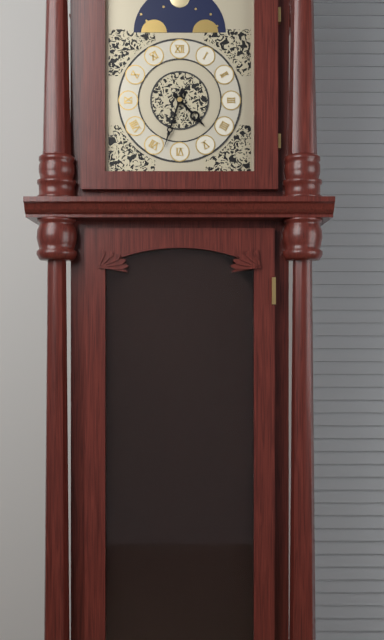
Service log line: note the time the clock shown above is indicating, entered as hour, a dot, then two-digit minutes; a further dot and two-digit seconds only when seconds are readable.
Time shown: 4.33
